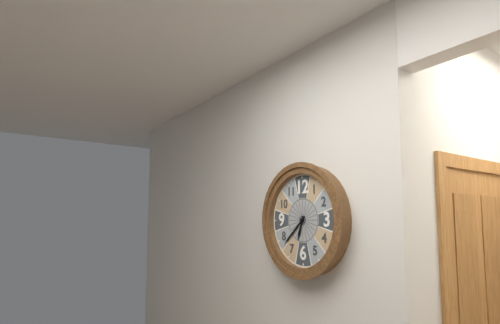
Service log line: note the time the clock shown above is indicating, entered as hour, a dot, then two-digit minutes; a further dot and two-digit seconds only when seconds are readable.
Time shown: 6.38
